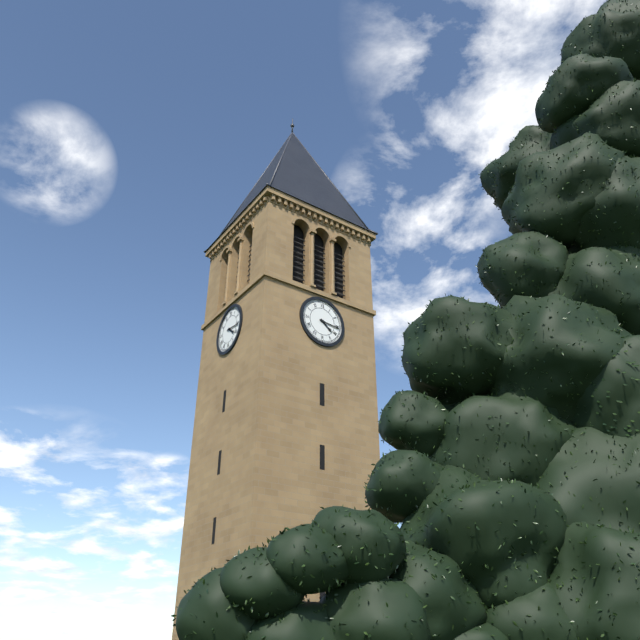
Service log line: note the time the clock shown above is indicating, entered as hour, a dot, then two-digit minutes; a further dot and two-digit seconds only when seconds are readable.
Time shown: 4.16
